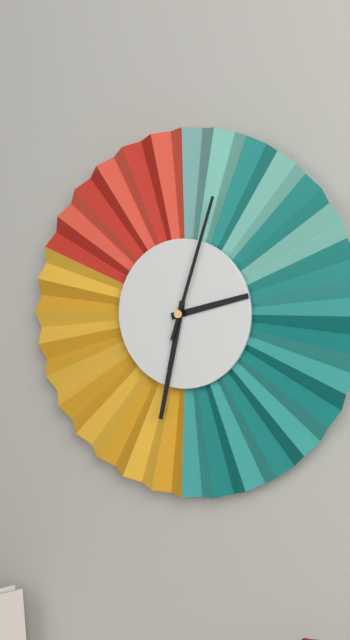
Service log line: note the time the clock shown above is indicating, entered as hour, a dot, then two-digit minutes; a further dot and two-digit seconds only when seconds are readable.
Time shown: 2.32.03
